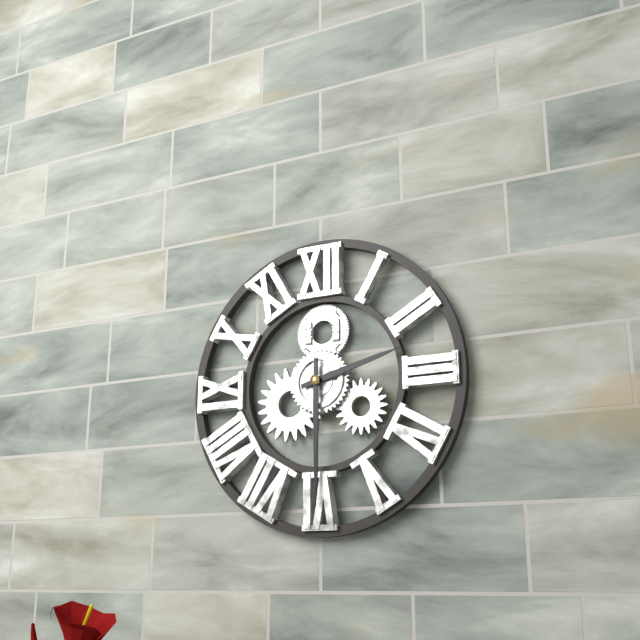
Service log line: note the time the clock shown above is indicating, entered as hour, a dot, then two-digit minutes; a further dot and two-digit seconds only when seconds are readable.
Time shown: 2.30
